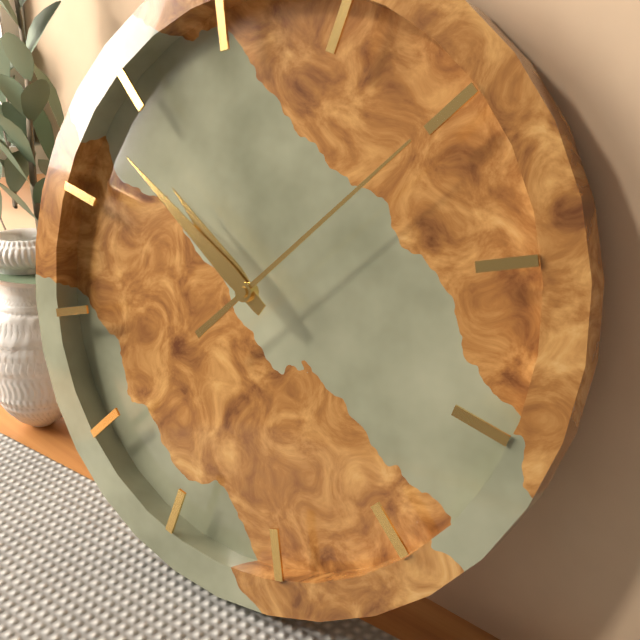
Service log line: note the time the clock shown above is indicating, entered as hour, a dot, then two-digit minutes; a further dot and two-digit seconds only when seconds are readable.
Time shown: 9.48.05
